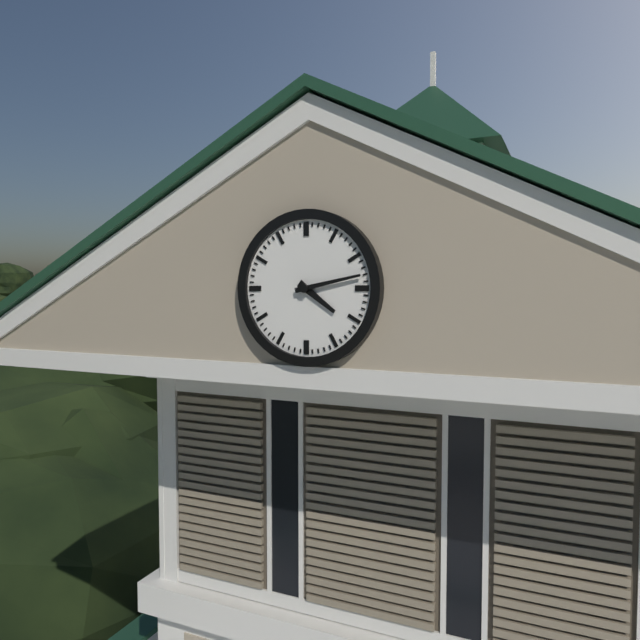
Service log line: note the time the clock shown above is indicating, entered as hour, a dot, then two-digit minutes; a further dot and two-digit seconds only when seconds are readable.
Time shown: 4.13
